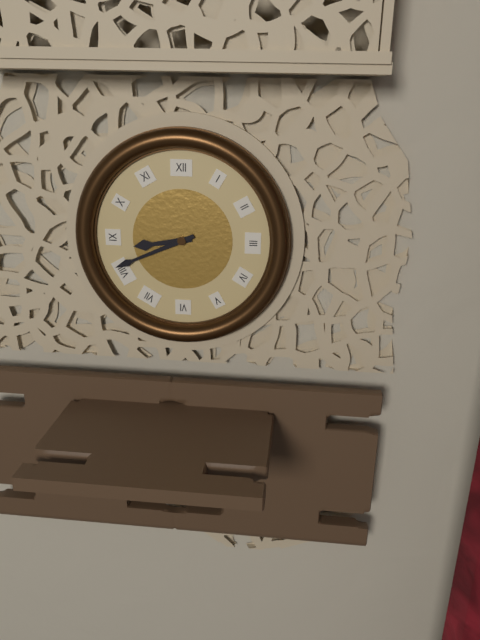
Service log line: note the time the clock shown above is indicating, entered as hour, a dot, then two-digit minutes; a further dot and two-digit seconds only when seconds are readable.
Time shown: 8.41
